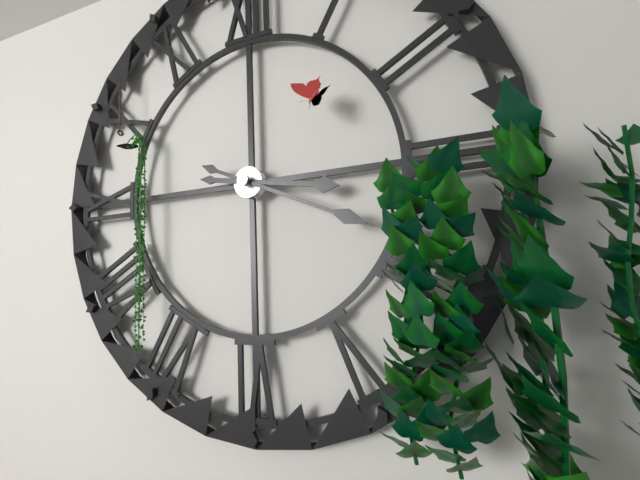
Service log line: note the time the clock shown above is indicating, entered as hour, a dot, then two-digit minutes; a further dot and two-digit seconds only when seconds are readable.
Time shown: 3.19
